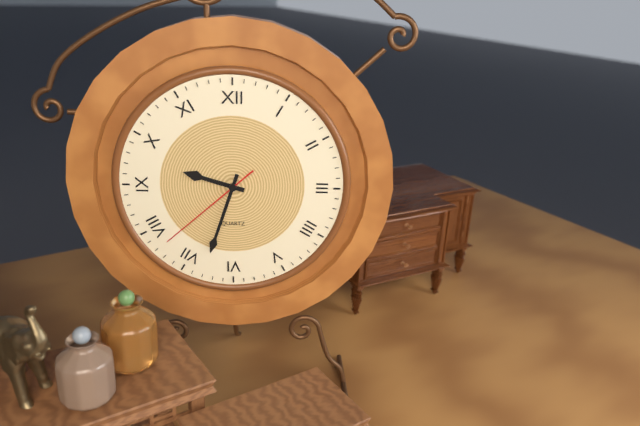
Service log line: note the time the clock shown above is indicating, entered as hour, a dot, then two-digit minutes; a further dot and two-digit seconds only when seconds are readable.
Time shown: 9.33.38
